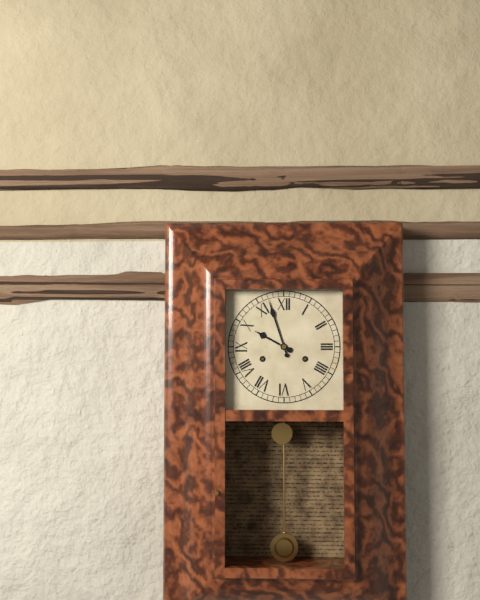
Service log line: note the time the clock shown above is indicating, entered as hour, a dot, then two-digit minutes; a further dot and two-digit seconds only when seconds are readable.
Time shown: 9.57
